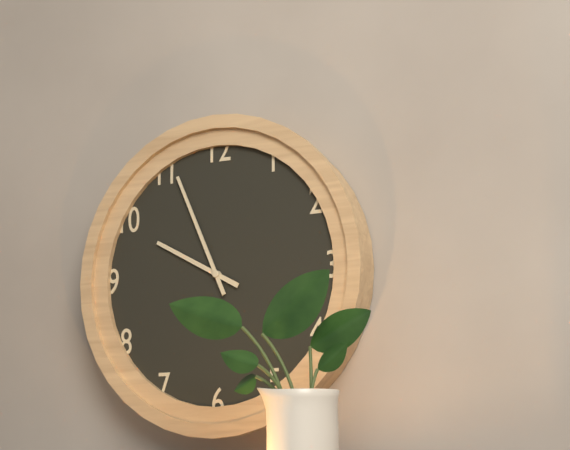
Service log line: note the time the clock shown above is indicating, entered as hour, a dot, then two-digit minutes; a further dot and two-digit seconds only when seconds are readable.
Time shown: 9.56
